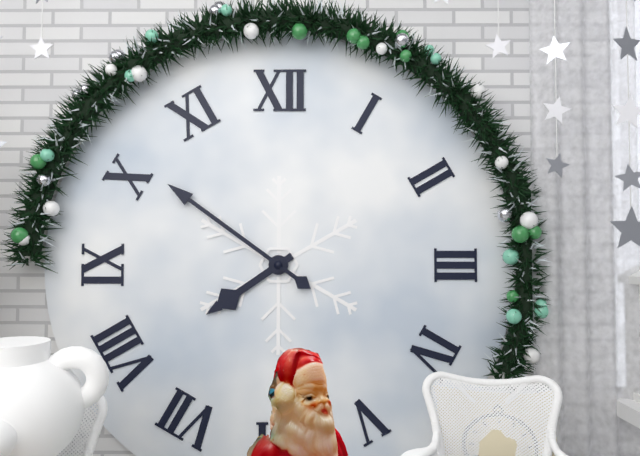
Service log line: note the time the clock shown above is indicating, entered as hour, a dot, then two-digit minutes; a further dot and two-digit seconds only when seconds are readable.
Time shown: 7.51
